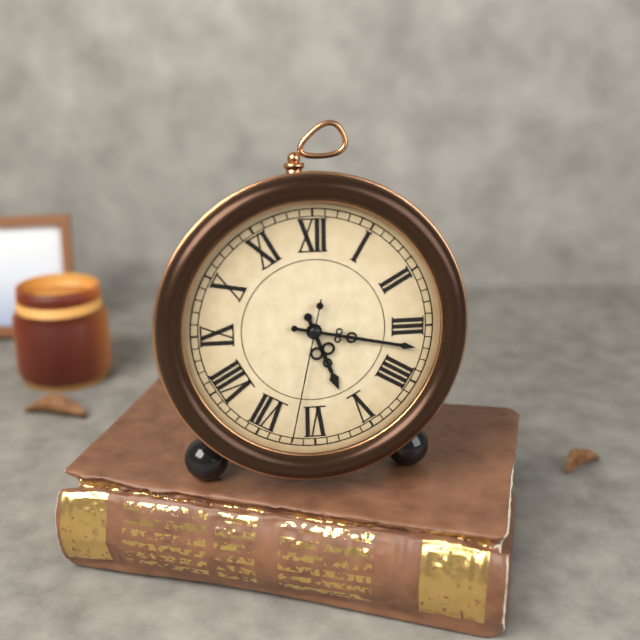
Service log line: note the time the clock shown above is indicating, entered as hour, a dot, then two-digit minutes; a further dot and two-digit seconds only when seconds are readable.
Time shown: 5.17.32
